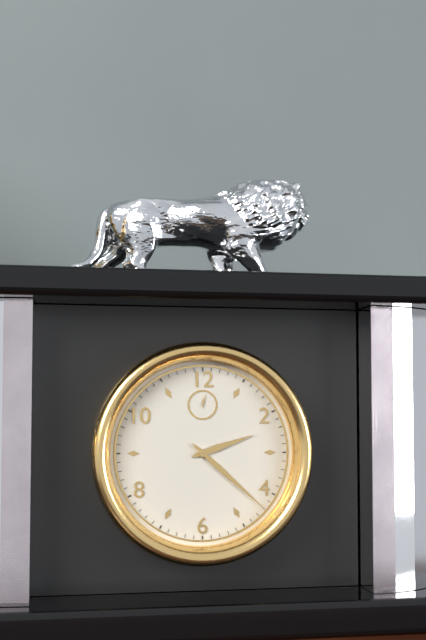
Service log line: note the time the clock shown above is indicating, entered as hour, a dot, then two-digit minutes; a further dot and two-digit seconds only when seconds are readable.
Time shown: 2.22
